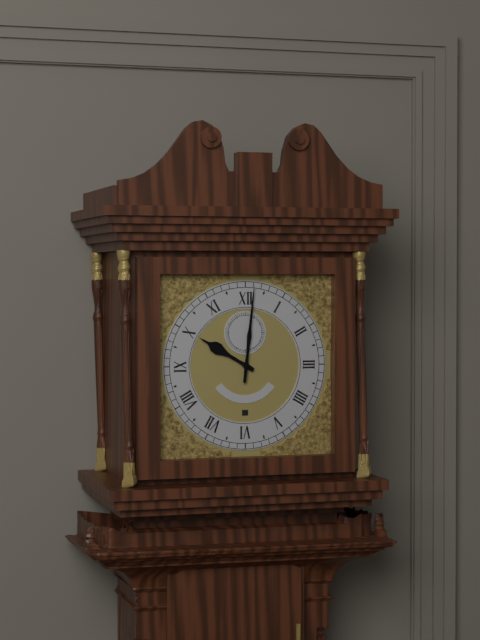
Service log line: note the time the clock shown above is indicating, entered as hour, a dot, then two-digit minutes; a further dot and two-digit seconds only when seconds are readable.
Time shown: 10.01
